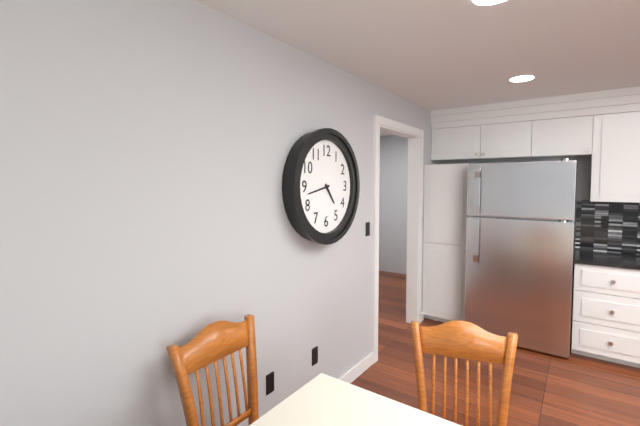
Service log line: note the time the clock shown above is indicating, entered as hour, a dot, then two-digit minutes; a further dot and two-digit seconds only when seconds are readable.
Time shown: 4.43
